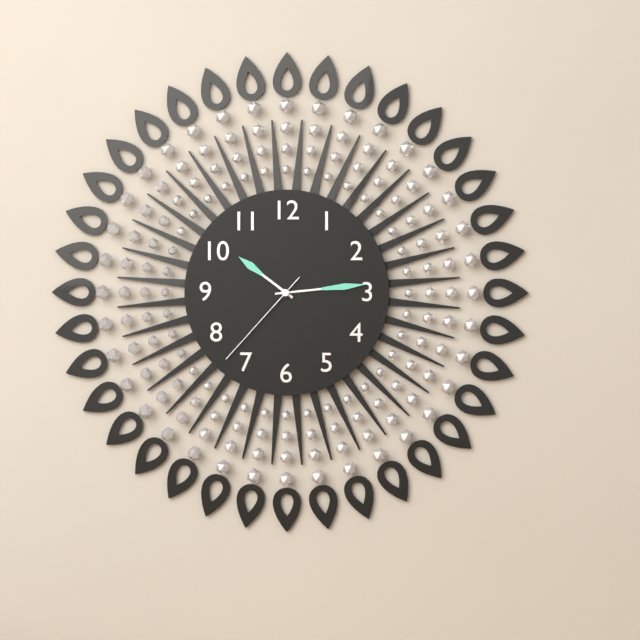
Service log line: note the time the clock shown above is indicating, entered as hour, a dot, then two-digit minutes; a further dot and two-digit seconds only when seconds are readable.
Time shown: 10.14.37
